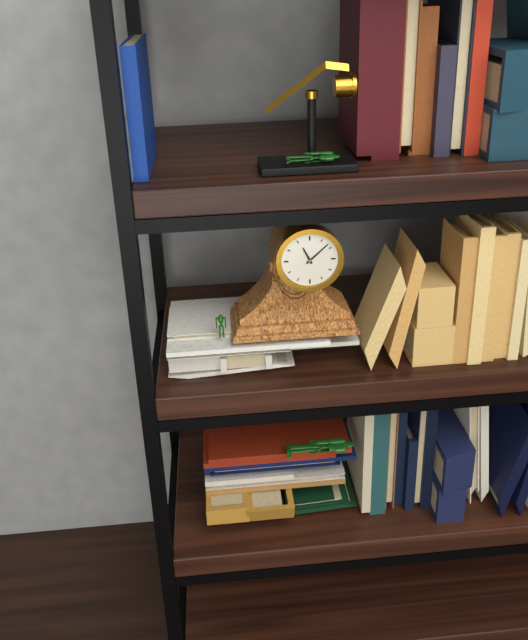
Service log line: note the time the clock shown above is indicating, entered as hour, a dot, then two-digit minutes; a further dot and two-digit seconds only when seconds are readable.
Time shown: 11.08
